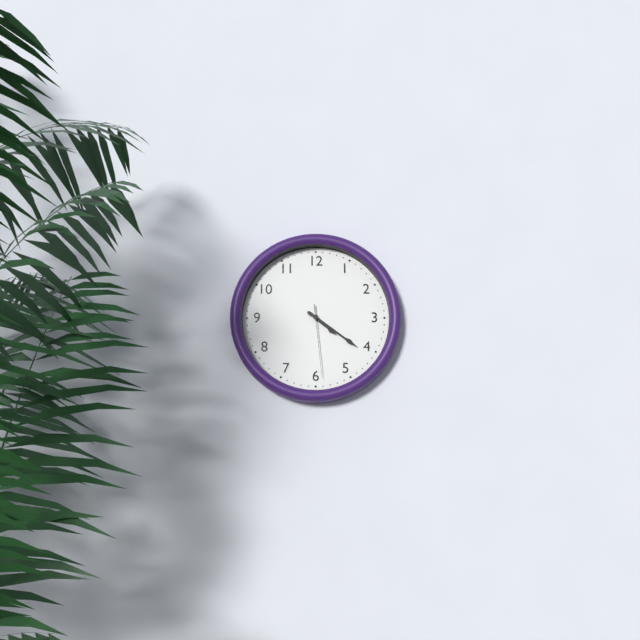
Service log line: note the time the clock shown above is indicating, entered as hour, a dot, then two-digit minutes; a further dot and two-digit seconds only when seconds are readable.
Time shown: 4.21.29
